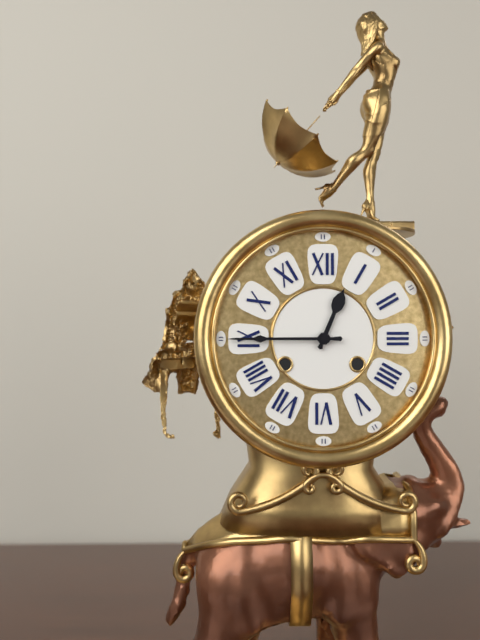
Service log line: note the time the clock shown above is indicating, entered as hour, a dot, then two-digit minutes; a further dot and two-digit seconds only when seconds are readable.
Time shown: 12.45
